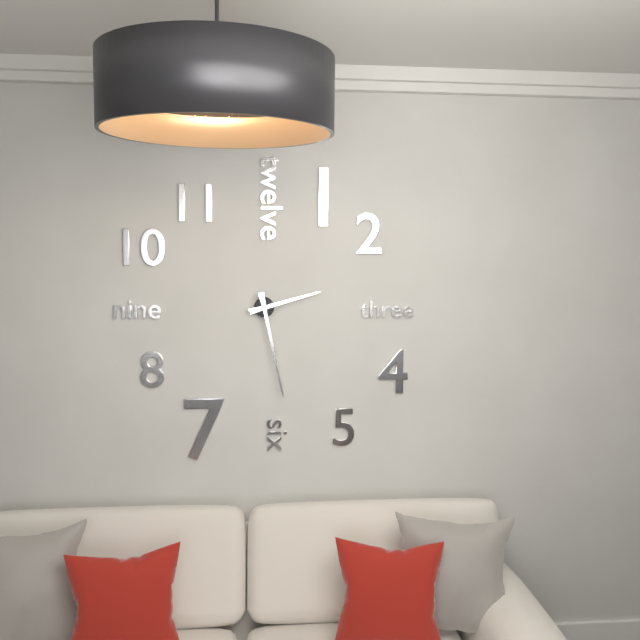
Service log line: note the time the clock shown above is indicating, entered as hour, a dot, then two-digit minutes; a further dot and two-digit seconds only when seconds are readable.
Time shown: 2.28
